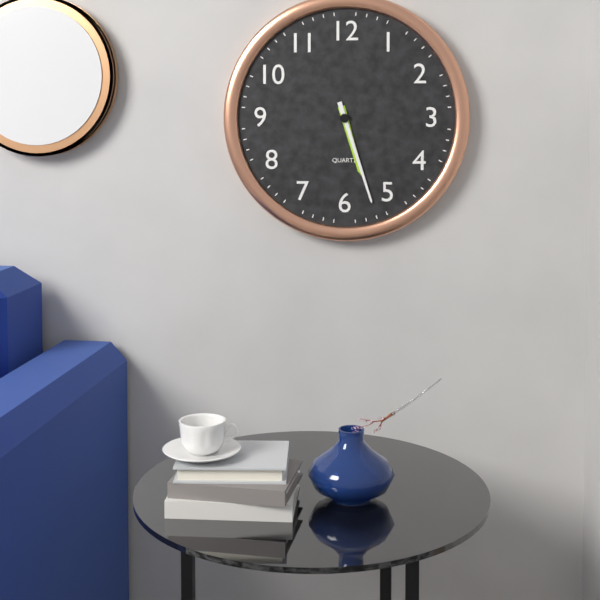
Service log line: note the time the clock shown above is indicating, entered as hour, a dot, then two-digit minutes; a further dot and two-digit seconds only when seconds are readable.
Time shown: 5.27
